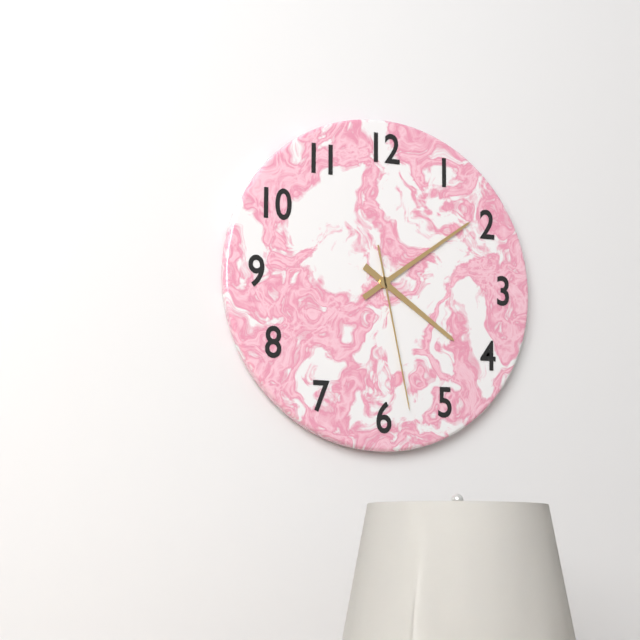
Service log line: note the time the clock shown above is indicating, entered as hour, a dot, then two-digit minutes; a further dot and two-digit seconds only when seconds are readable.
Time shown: 4.09.28
